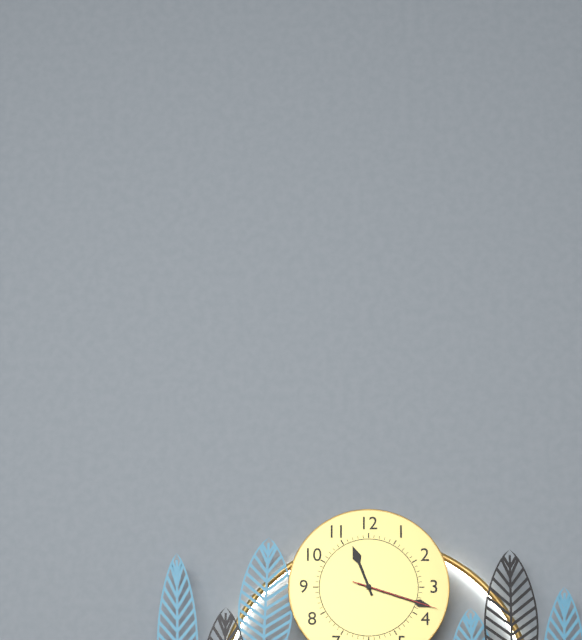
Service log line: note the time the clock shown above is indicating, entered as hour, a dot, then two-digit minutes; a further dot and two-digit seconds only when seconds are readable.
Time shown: 11.18.18
